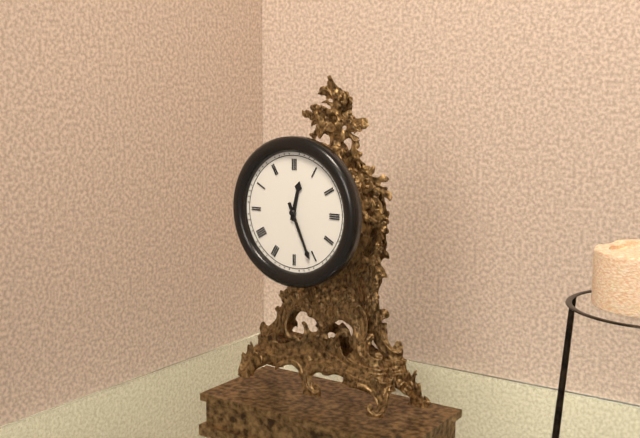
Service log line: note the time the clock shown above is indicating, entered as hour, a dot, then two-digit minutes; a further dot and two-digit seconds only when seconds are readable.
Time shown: 12.26
